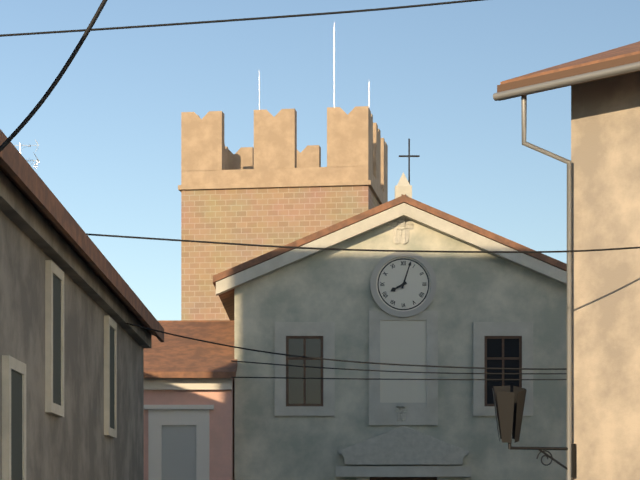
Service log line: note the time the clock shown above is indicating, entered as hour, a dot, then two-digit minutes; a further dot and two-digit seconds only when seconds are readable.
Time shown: 8.03
